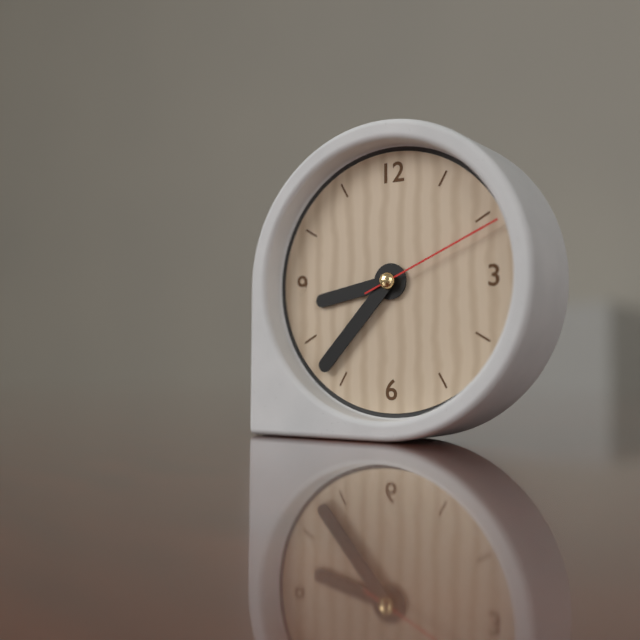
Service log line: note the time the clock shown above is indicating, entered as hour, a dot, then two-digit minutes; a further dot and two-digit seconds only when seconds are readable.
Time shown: 8.37.11
